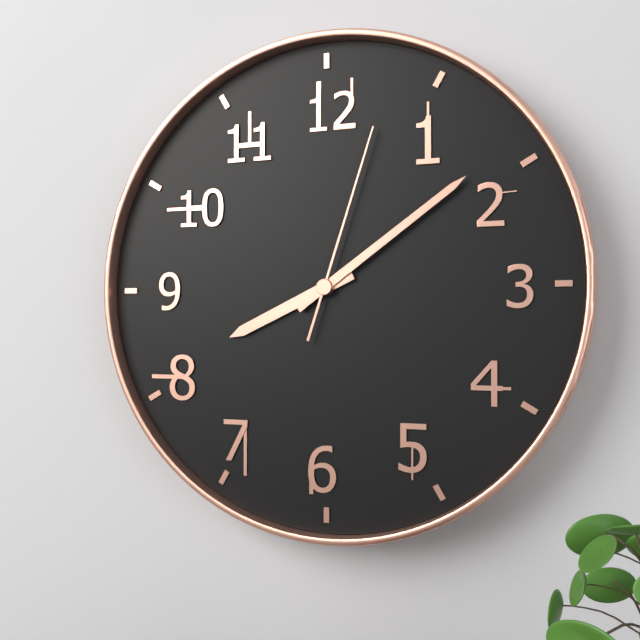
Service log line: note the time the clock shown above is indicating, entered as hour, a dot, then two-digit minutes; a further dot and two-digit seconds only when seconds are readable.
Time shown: 8.09.03
